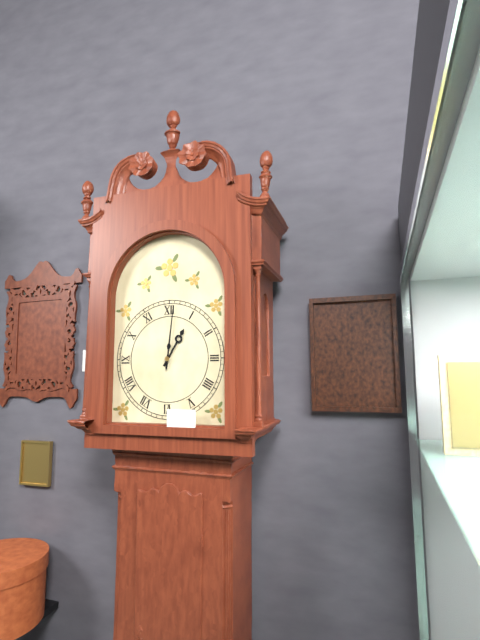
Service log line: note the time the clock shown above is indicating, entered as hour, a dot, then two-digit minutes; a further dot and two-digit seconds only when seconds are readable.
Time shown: 1.01
